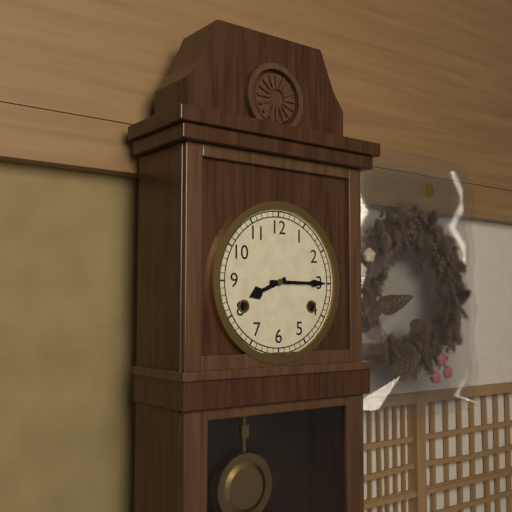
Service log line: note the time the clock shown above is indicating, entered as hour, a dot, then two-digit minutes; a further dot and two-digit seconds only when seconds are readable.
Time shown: 8.15
